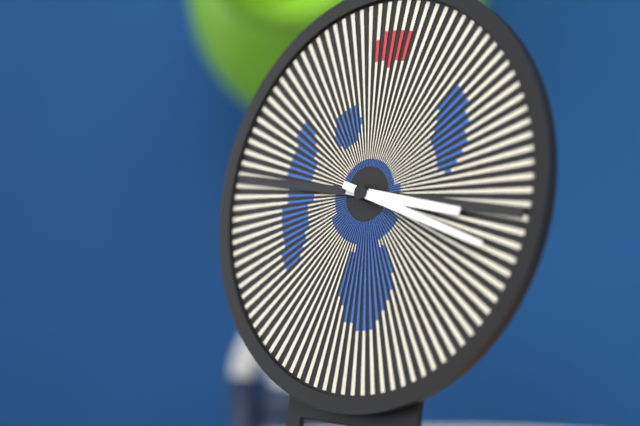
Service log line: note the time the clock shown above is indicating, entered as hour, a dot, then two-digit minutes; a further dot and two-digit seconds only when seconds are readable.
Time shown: 3.18.46
